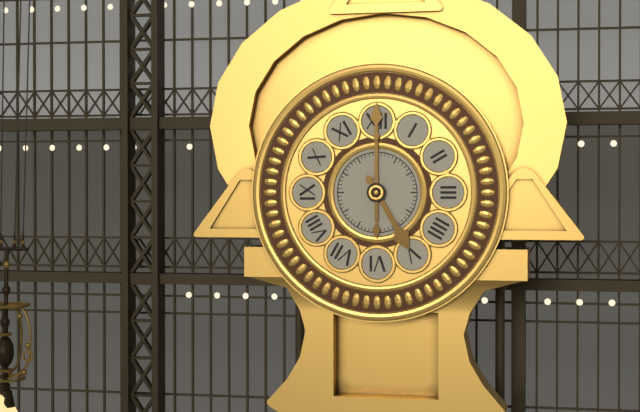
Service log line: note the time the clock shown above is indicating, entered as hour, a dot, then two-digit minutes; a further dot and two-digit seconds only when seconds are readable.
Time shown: 5.00
